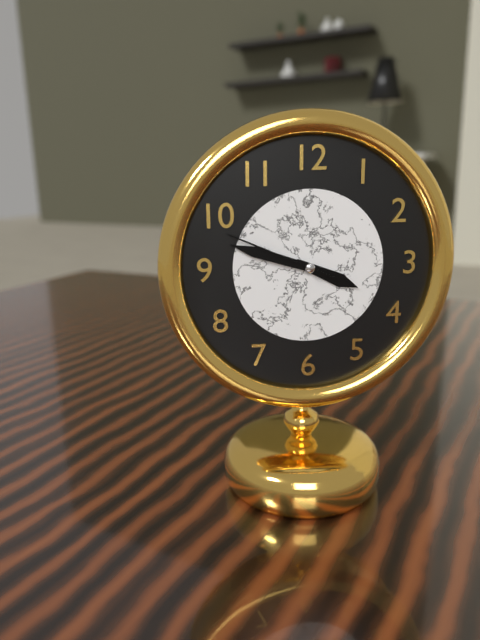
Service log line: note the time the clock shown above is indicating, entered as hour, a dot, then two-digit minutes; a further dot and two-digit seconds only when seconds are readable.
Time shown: 3.48.49
